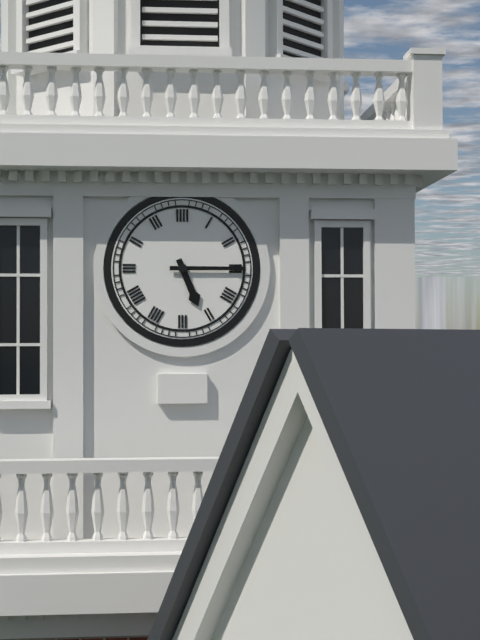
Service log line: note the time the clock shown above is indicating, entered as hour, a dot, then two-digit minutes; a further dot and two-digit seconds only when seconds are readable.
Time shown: 5.15
